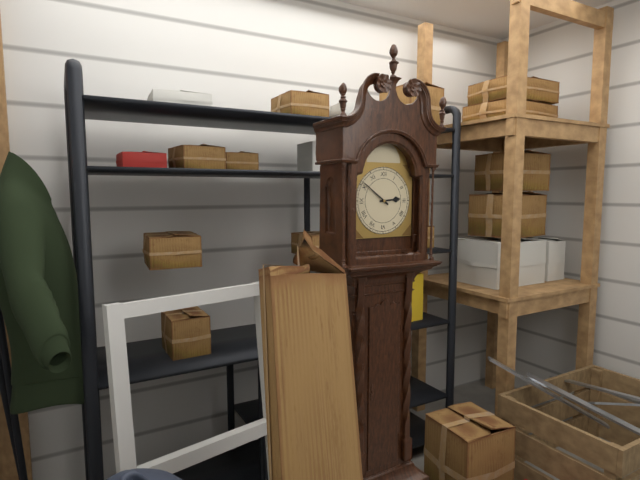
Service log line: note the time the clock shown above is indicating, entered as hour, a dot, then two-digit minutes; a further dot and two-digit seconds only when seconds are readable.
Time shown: 2.51
